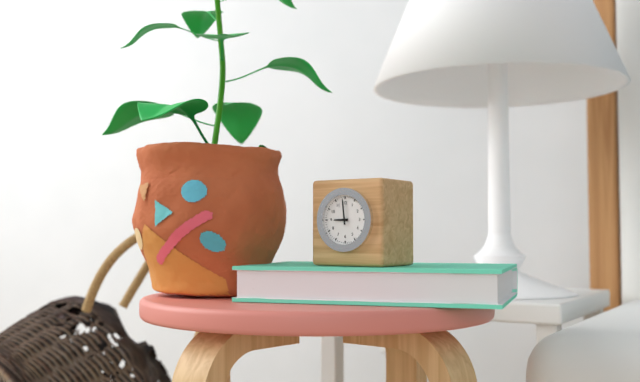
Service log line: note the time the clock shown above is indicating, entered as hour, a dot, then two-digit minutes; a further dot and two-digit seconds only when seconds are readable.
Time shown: 8.59
